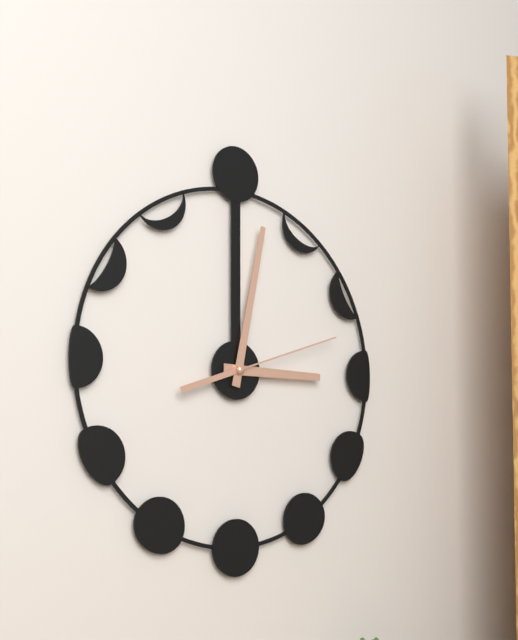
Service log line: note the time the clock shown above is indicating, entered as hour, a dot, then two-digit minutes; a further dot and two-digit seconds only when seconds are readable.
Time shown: 3.02.12
